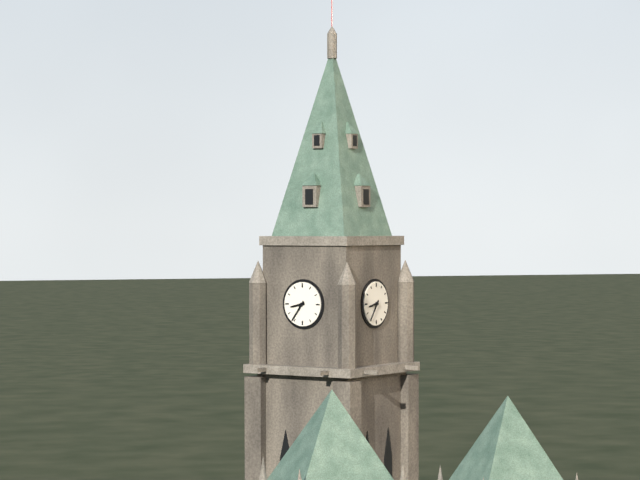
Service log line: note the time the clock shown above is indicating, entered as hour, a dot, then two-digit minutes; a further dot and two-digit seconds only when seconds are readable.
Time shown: 8.36
